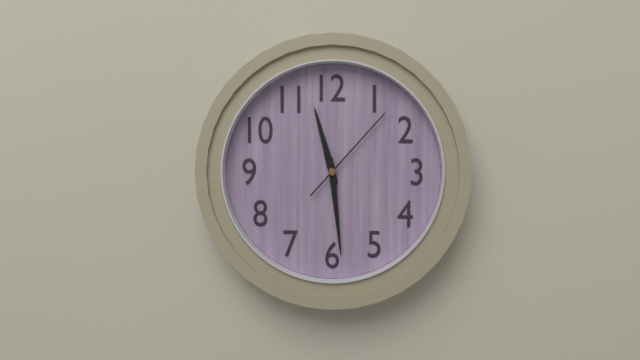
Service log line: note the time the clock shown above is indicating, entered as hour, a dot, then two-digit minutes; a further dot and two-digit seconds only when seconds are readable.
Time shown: 11.29.07
